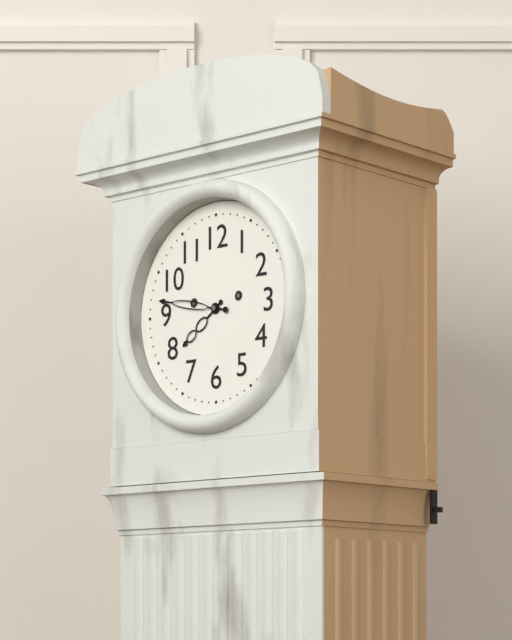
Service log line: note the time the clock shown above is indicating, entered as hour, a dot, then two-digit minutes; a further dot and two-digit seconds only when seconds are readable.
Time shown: 7.47
